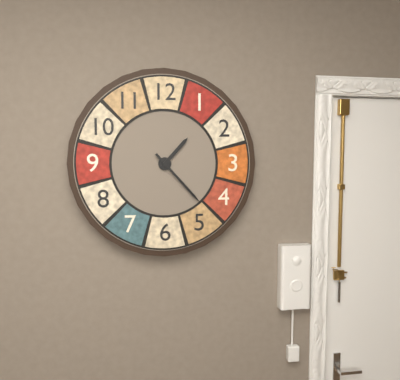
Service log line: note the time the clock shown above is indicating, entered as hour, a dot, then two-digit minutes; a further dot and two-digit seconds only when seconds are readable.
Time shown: 1.23
